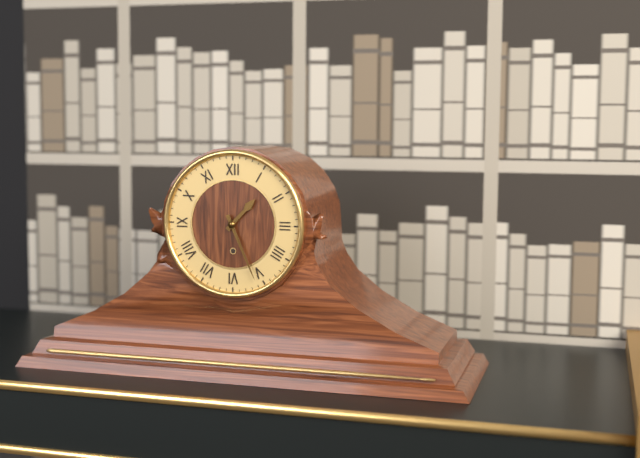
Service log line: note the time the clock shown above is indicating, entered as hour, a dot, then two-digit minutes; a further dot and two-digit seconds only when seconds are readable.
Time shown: 1.26
